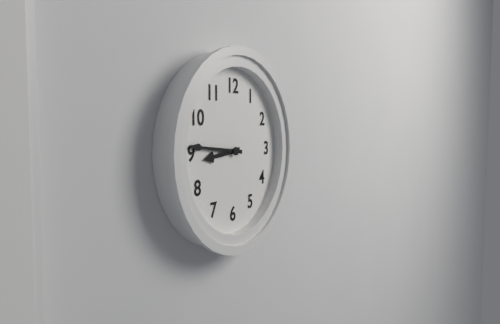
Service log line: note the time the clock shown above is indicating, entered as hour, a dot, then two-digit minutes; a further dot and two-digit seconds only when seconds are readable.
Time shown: 8.46
